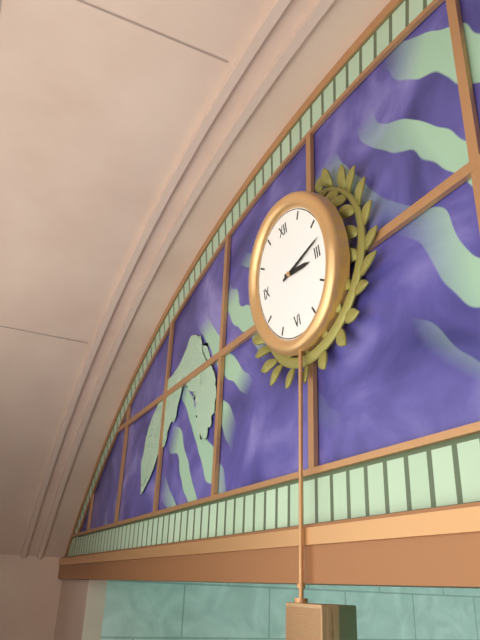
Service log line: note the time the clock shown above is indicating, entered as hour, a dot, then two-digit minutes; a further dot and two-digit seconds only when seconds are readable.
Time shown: 3.13
